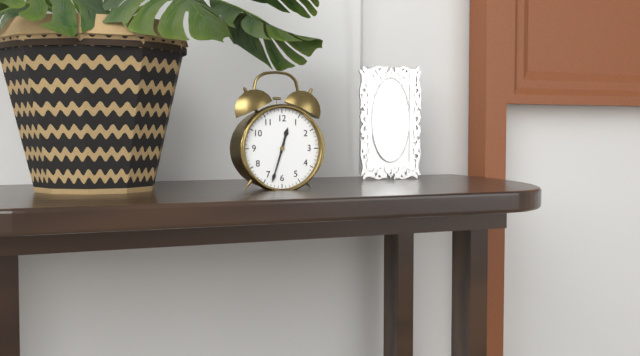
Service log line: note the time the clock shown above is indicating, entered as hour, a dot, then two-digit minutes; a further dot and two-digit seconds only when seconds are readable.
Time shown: 12.33
